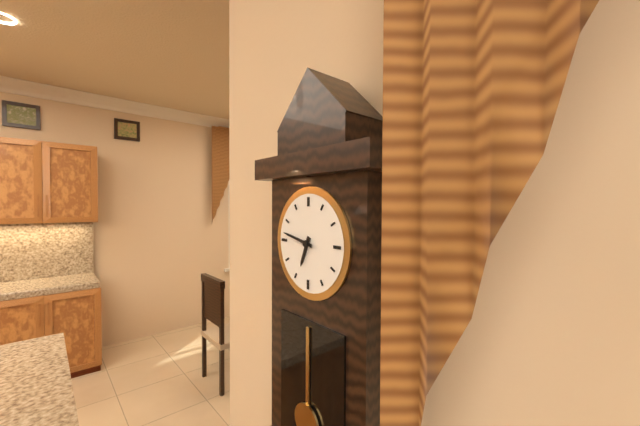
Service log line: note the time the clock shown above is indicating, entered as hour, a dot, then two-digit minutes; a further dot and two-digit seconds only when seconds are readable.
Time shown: 6.47
